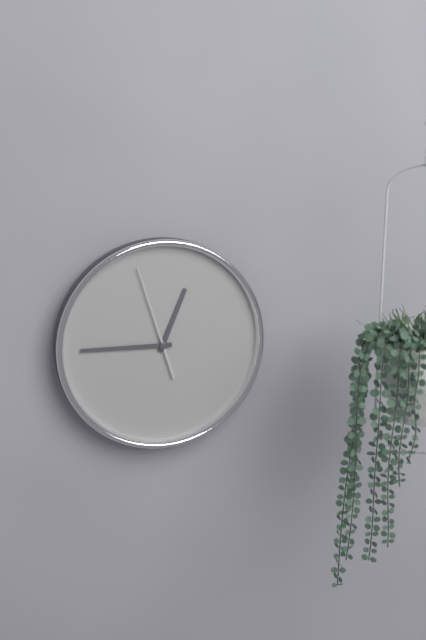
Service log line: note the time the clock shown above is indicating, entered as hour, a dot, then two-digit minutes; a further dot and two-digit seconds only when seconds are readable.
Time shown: 12.45.57
